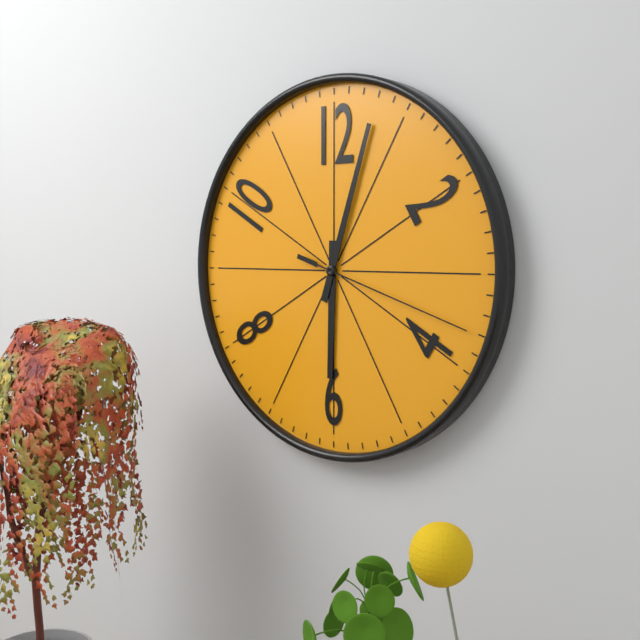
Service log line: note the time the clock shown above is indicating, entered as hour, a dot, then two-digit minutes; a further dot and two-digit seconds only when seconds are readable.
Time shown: 6.03.18
